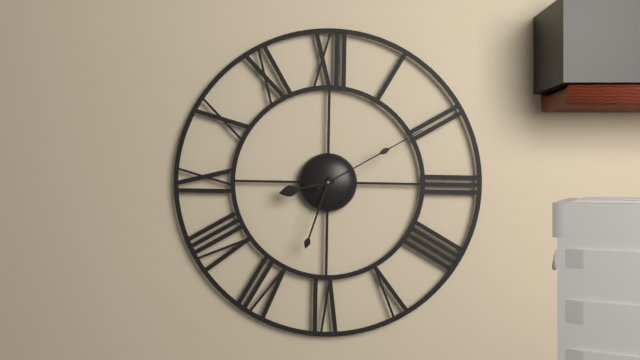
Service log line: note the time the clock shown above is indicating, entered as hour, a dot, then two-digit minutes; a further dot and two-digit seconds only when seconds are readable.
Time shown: 8.33.10
